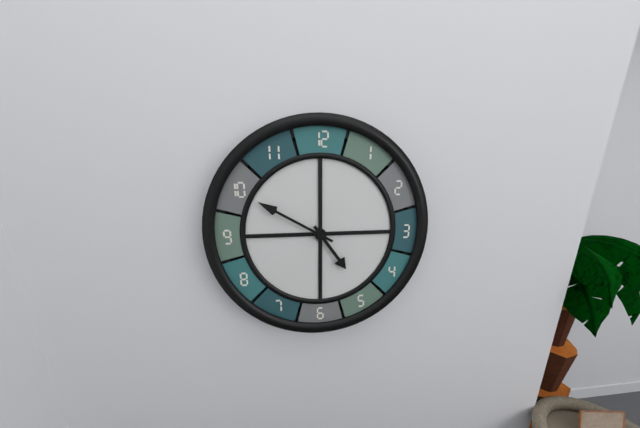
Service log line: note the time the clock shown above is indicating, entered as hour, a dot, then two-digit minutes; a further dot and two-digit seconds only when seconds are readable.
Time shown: 4.50
